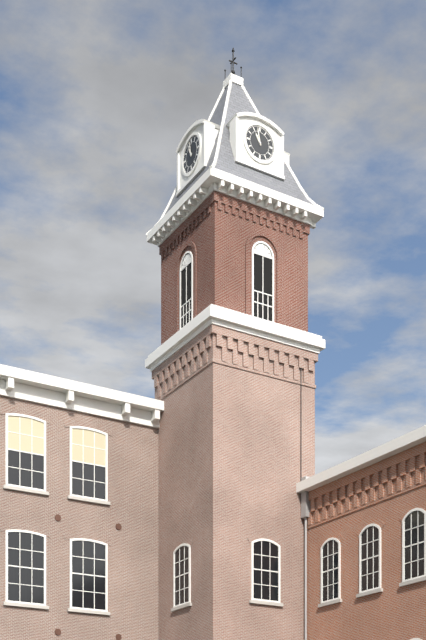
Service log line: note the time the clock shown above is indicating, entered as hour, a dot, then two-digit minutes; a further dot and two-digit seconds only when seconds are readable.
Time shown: 10.58
